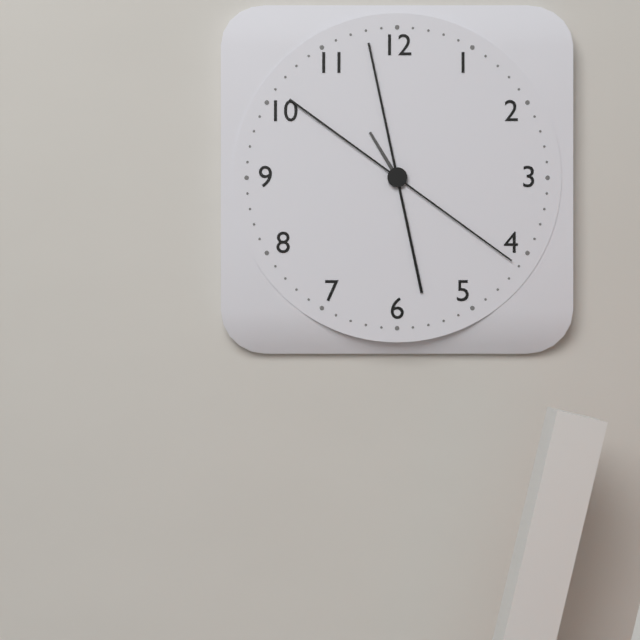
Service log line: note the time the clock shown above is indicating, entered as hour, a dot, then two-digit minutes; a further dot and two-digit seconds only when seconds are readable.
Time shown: 10.58.21
